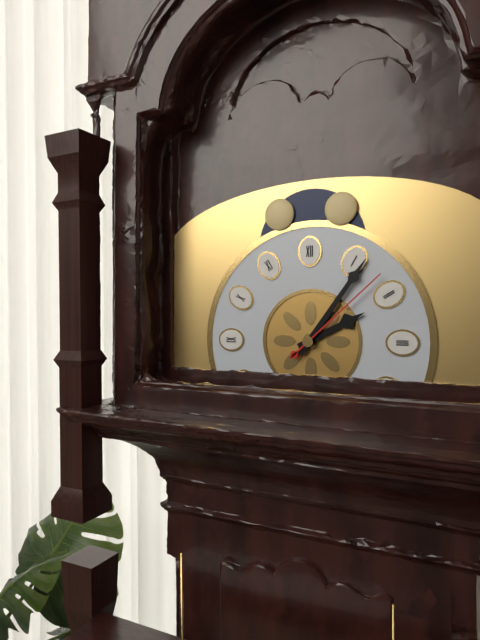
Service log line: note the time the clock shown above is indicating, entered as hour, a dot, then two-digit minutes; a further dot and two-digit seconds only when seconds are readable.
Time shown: 2.06.08
